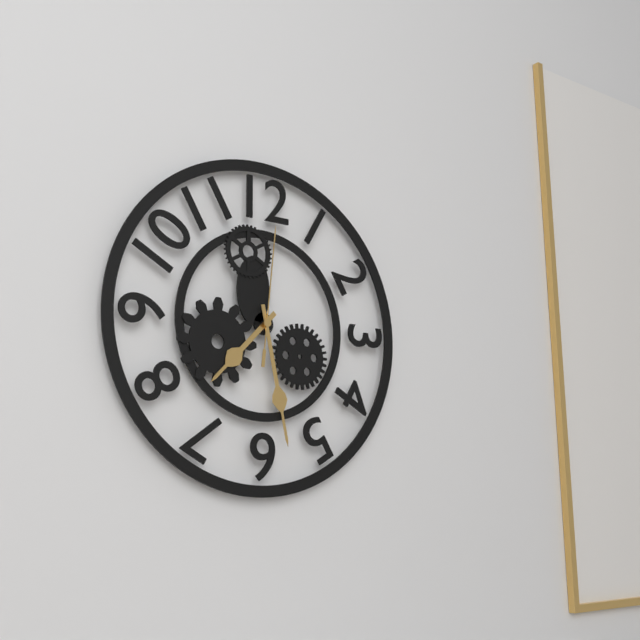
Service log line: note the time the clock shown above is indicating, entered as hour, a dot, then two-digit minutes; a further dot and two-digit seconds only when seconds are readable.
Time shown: 7.28.01
